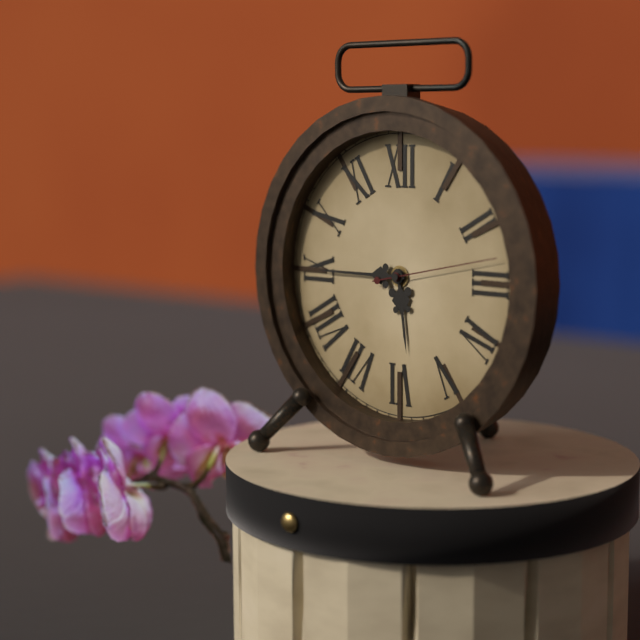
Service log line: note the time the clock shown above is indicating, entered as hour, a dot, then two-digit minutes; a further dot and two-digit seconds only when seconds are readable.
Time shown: 5.45.13
